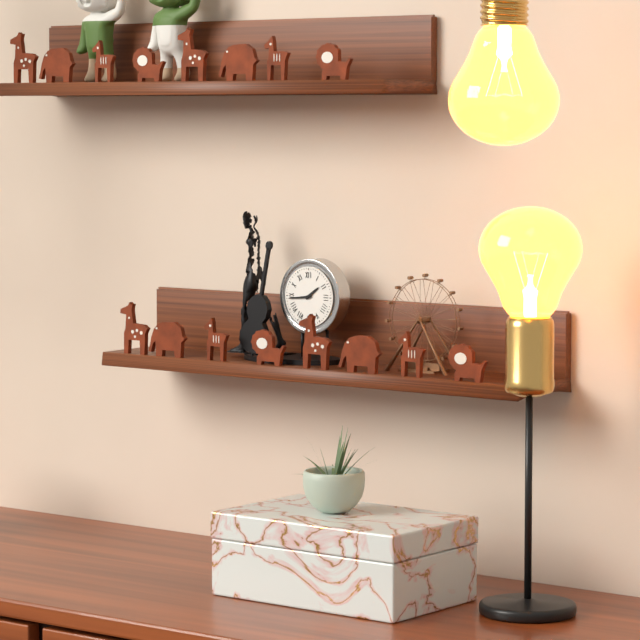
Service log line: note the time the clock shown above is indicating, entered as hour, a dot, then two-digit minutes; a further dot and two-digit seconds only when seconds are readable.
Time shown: 1.44
